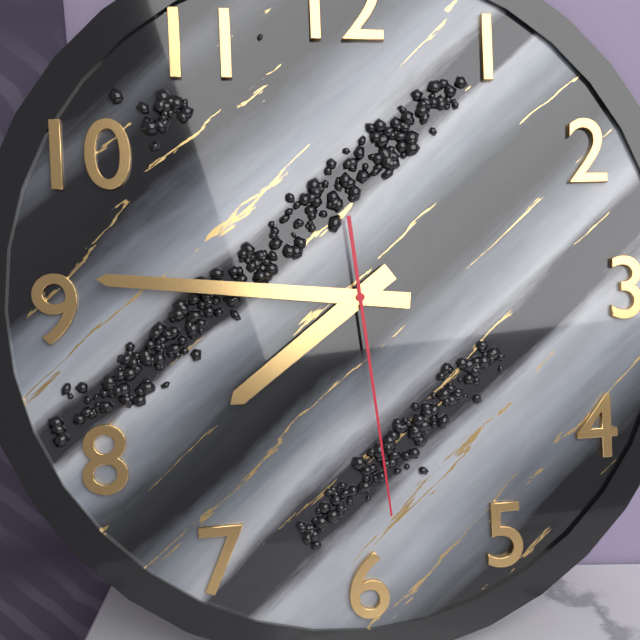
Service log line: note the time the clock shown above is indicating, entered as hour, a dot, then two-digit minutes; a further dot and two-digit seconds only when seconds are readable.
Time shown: 7.46.29
